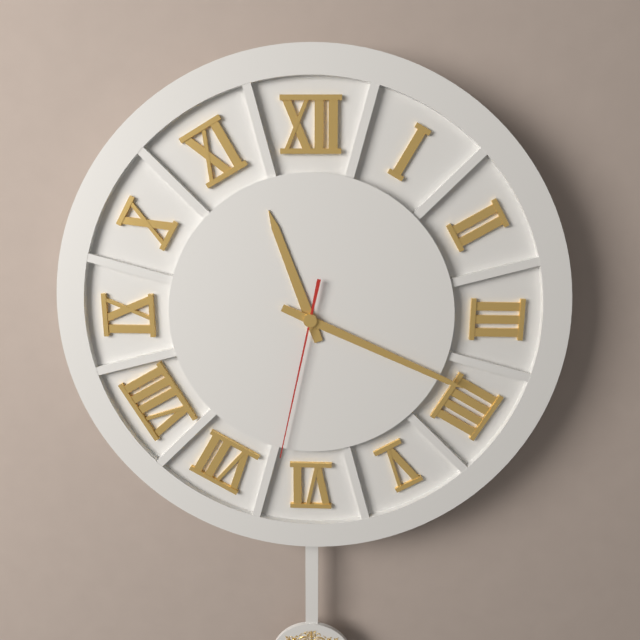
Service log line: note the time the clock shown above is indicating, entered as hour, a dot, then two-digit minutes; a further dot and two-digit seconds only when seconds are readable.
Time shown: 11.19.32
